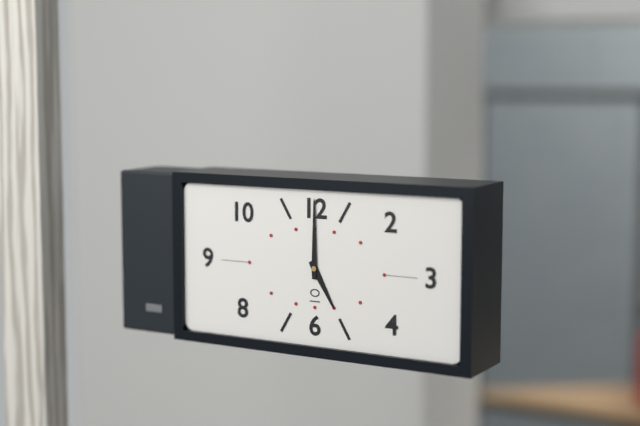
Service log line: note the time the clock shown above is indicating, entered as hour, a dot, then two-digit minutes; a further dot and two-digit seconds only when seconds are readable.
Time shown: 5.00
